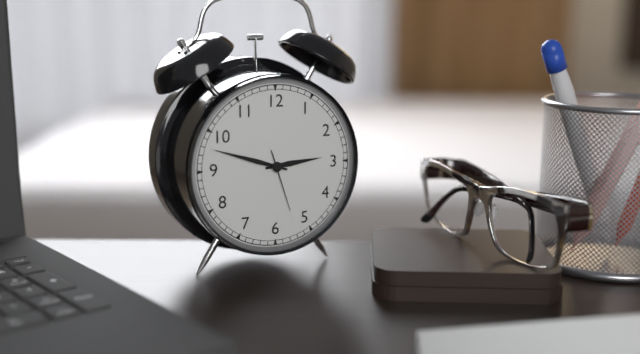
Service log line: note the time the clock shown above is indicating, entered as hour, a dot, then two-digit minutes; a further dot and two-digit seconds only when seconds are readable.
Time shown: 2.48.27
